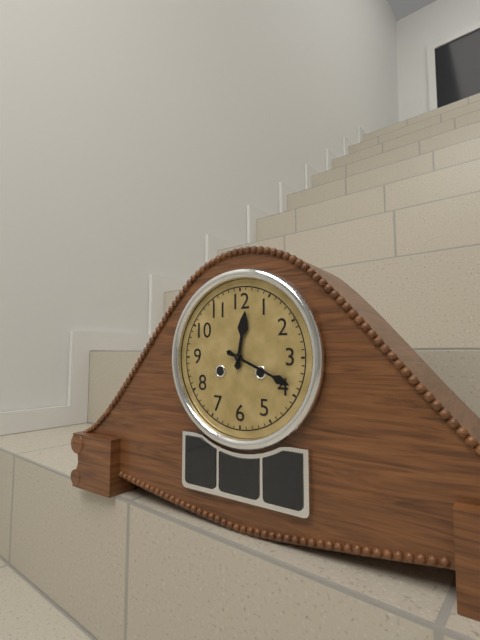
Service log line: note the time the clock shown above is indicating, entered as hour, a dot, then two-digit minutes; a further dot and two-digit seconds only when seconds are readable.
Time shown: 12.19
